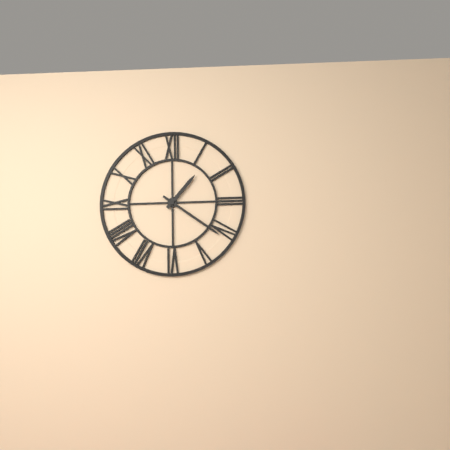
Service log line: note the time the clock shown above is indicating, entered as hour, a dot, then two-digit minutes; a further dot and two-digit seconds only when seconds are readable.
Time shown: 1.21
